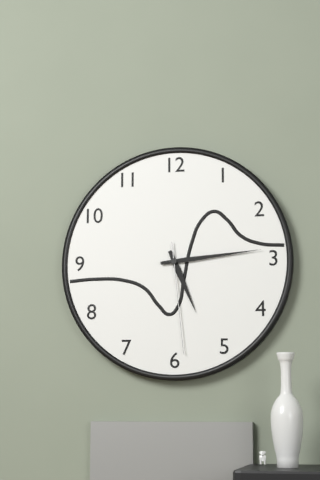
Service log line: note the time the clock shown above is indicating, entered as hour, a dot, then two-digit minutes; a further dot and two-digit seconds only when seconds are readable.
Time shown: 5.14.29
